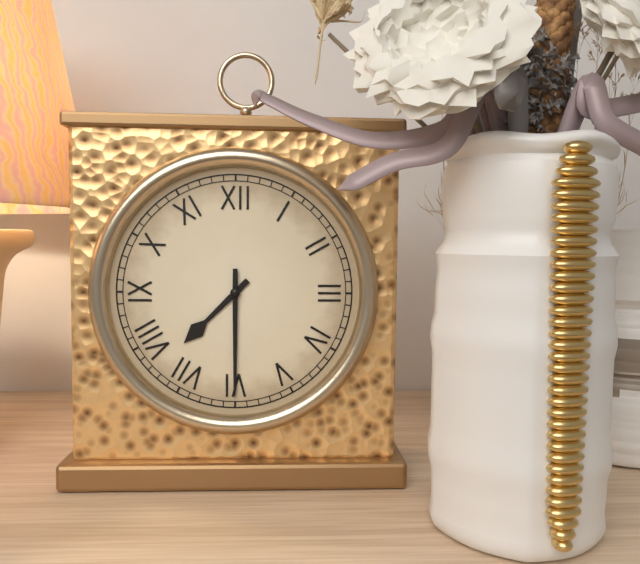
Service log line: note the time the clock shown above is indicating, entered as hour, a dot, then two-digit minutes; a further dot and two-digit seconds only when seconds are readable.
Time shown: 7.30
